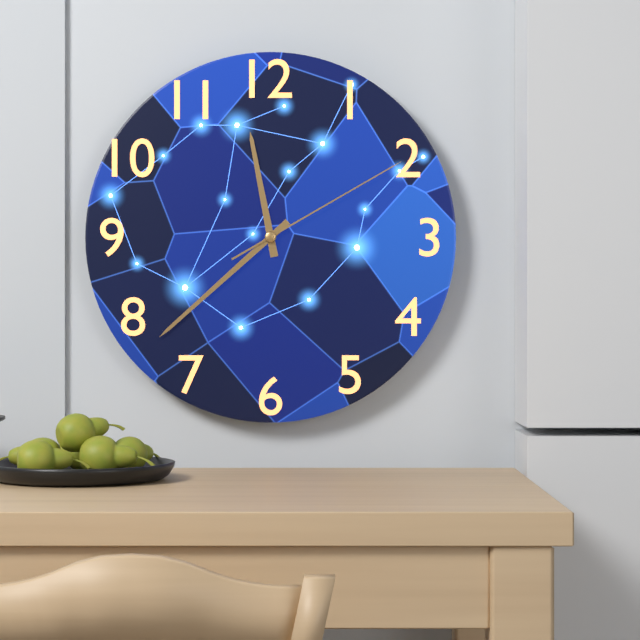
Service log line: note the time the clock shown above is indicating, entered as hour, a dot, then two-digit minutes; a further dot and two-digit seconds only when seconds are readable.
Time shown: 11.38.10
